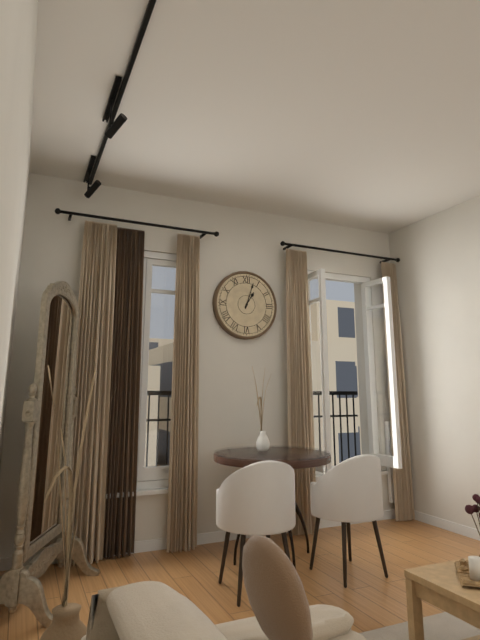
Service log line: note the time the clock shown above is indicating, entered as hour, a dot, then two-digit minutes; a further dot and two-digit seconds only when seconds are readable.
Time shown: 1.03
